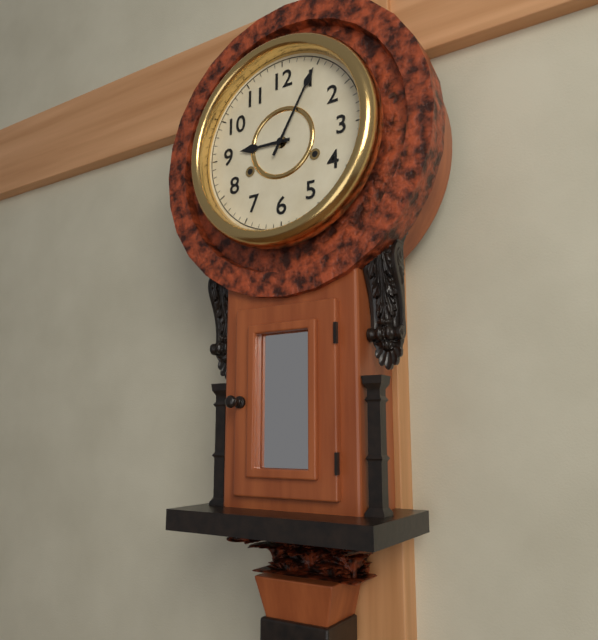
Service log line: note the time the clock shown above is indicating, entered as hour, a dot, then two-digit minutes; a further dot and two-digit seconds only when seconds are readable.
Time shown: 9.05
